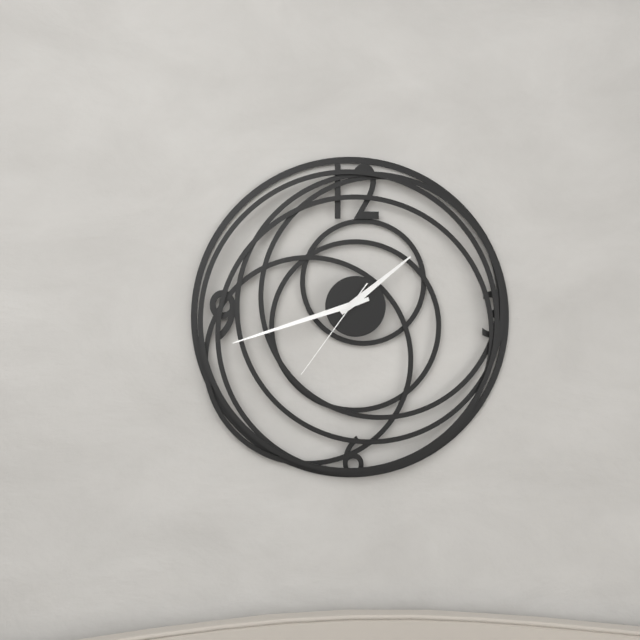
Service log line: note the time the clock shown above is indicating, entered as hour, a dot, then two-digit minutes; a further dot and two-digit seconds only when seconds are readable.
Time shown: 1.42.36
